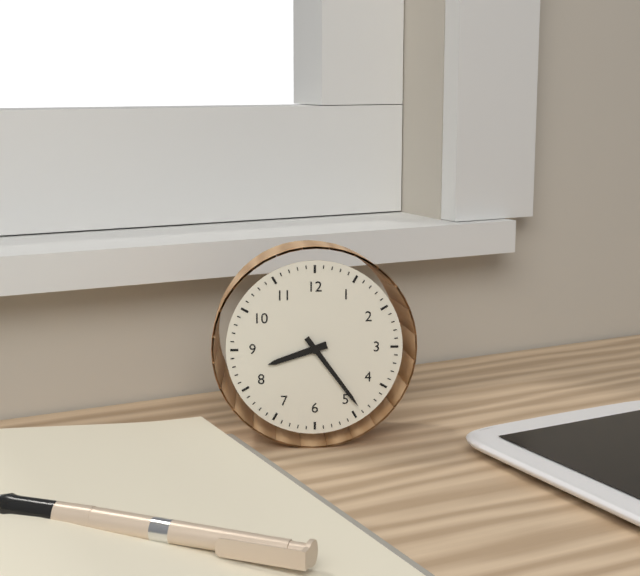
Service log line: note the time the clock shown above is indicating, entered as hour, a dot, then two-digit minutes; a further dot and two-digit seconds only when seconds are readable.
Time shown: 8.24
